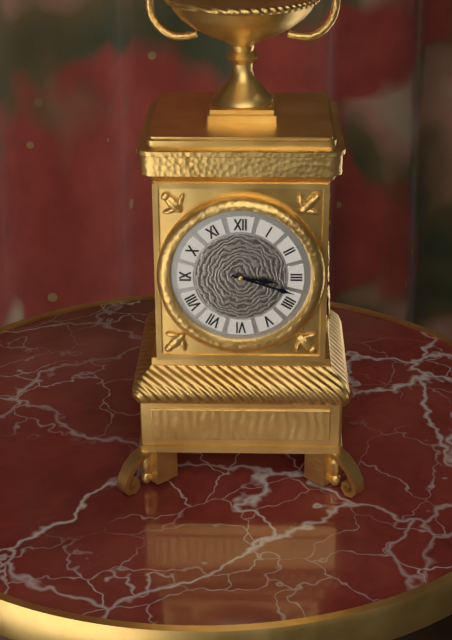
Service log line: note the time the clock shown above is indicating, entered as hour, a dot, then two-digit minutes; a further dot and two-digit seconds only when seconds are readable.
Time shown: 3.18
